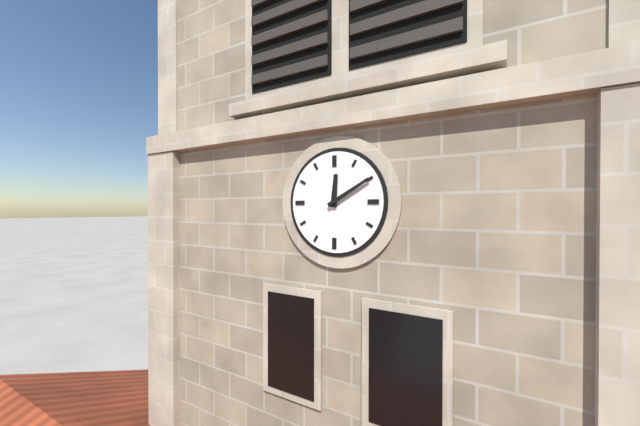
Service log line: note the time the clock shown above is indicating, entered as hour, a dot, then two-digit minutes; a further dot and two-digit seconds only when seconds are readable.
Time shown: 12.10
